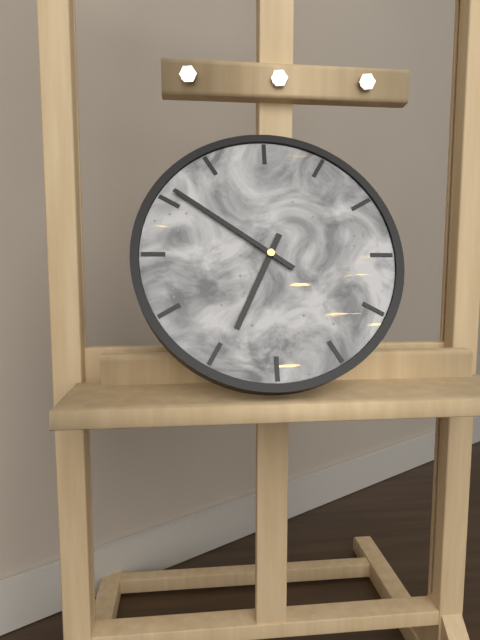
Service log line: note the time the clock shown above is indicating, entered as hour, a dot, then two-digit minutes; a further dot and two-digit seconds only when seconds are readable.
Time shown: 6.51
